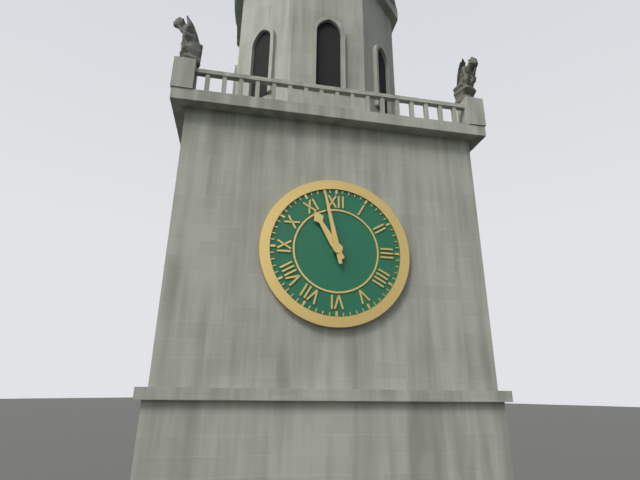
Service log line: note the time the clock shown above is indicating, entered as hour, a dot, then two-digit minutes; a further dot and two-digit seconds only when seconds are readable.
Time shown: 10.58
